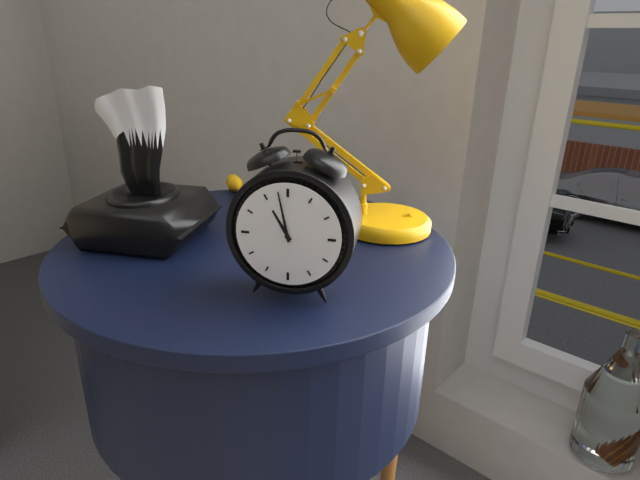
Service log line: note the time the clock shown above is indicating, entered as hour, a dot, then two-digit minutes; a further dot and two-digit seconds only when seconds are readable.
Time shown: 10.58
